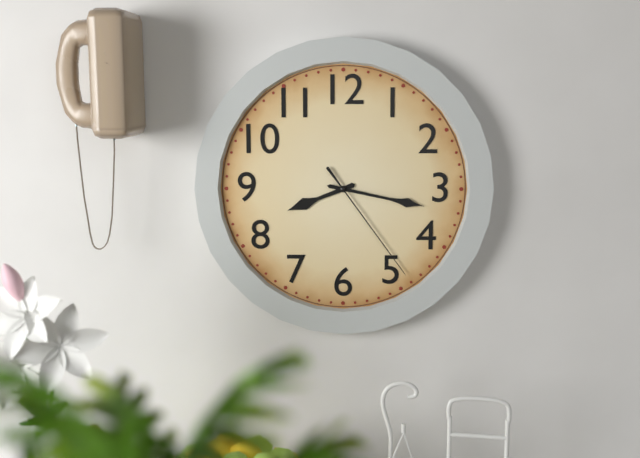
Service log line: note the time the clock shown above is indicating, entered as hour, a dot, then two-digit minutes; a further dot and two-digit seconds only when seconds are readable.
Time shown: 8.17.24
